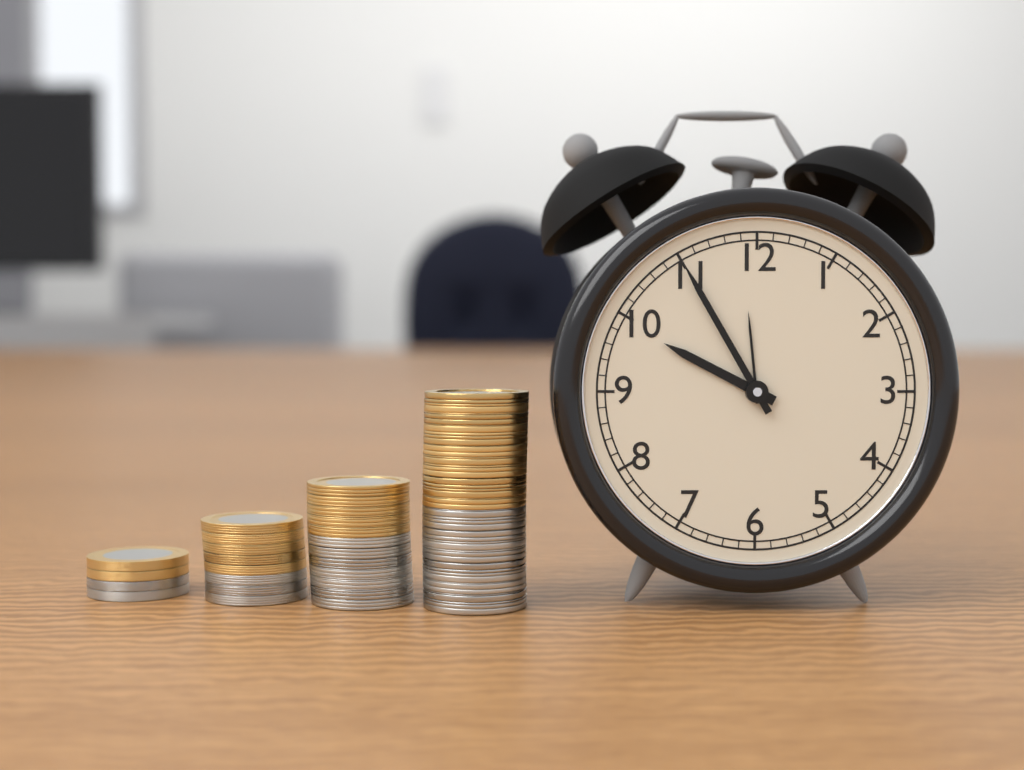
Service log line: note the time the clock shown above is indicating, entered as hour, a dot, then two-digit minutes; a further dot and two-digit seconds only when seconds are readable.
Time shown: 9.55
